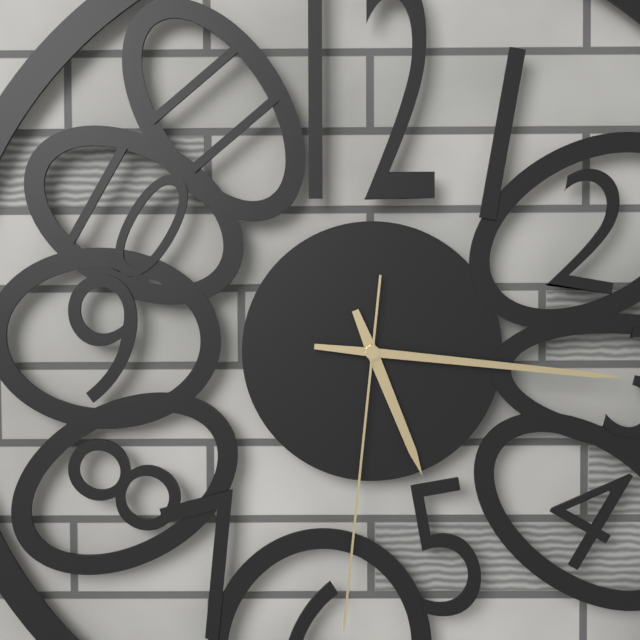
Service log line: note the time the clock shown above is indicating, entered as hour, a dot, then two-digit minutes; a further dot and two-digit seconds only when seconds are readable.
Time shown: 5.16.31
